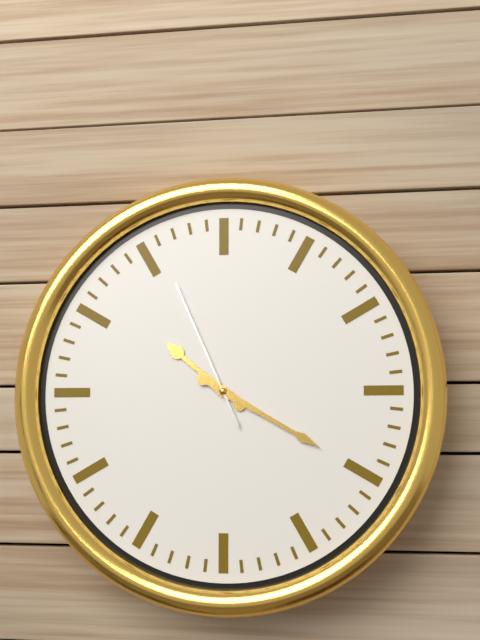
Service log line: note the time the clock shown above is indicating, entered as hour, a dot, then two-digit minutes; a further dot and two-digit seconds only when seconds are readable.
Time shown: 10.20.56
